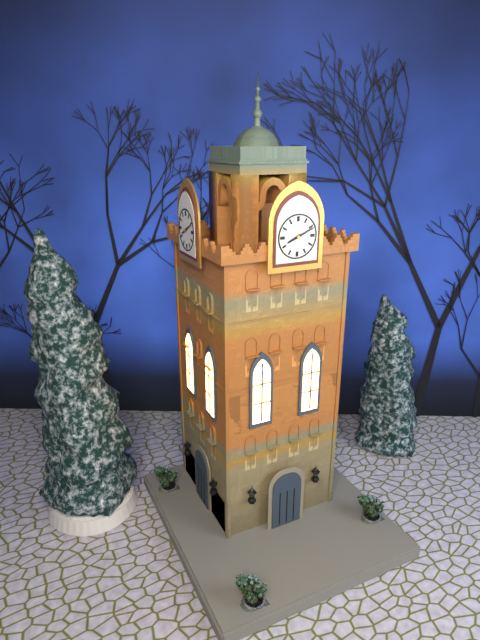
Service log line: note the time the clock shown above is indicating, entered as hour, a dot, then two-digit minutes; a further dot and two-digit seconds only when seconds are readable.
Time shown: 8.11
